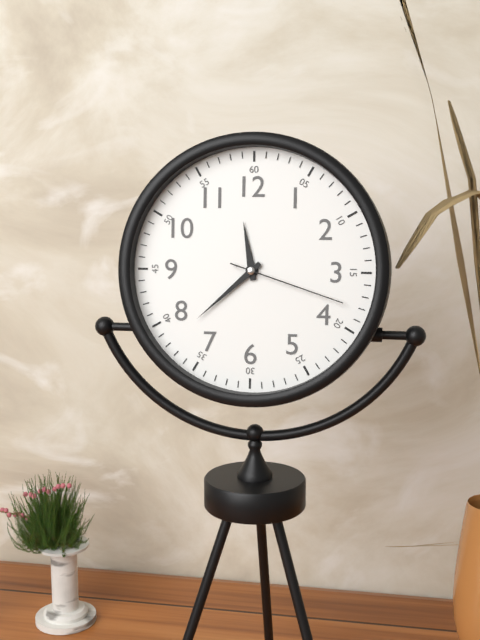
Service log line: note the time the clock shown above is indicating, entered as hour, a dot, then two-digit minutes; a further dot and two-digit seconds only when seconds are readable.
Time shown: 11.38.18
